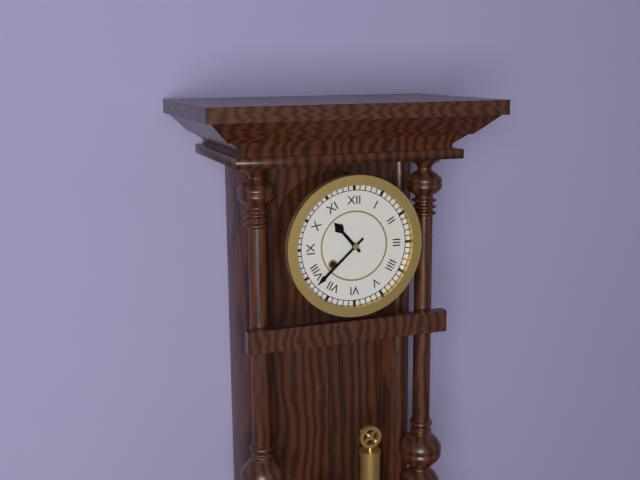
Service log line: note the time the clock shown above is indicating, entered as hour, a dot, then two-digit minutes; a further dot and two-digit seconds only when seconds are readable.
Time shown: 10.38
